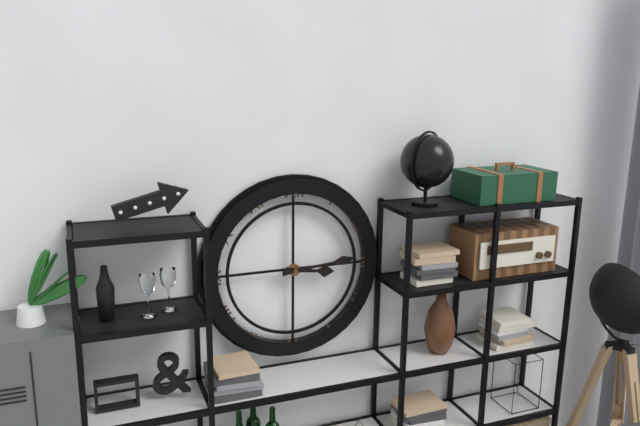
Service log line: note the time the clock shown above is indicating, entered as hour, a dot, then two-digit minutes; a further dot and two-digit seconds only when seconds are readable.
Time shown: 3.14
